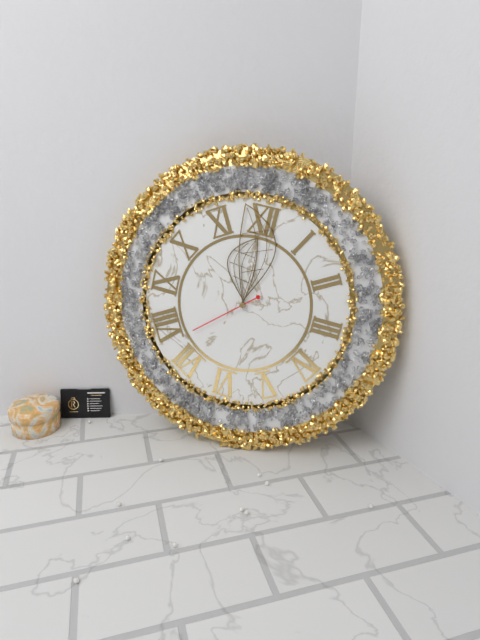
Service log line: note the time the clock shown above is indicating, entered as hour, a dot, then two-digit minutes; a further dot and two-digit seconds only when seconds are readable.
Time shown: 11.58.38
